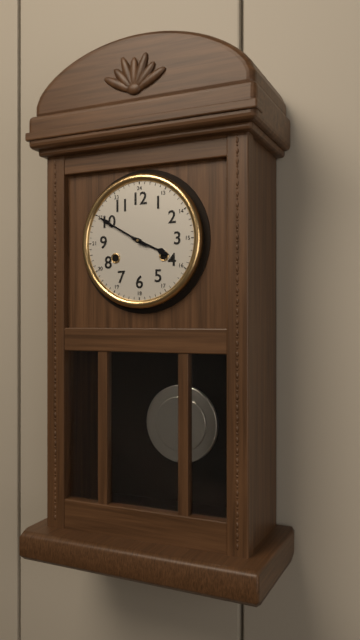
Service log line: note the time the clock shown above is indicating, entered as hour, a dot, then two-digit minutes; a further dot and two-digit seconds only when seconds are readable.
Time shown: 3.50
